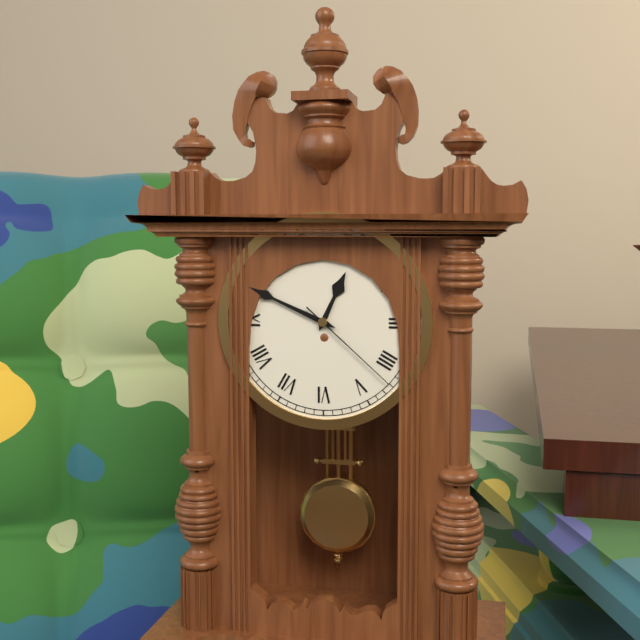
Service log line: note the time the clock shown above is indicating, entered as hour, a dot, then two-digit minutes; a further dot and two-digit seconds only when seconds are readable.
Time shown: 12.49.22
